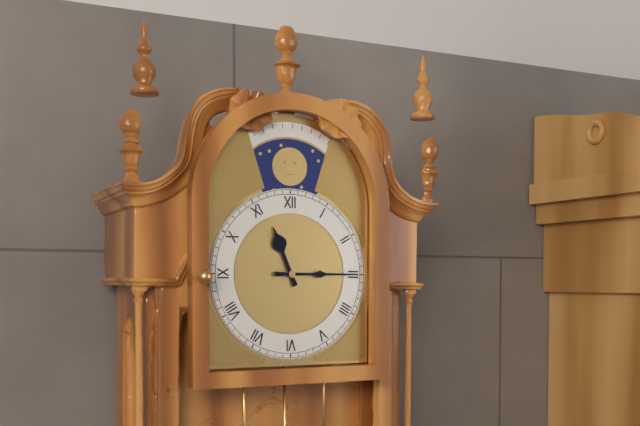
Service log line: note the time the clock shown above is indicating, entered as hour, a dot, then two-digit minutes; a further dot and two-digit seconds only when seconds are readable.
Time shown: 11.15
